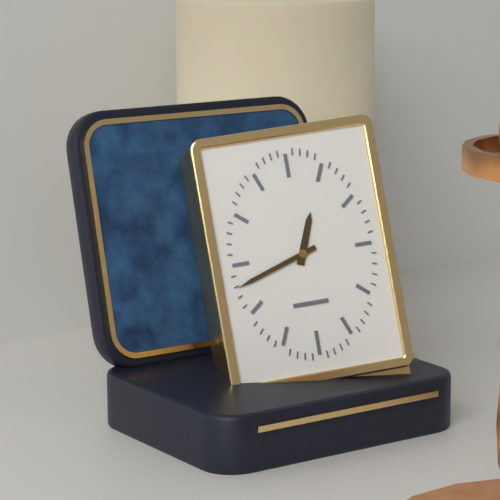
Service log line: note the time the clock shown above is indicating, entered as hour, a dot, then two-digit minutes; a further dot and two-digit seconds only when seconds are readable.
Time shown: 12.42
